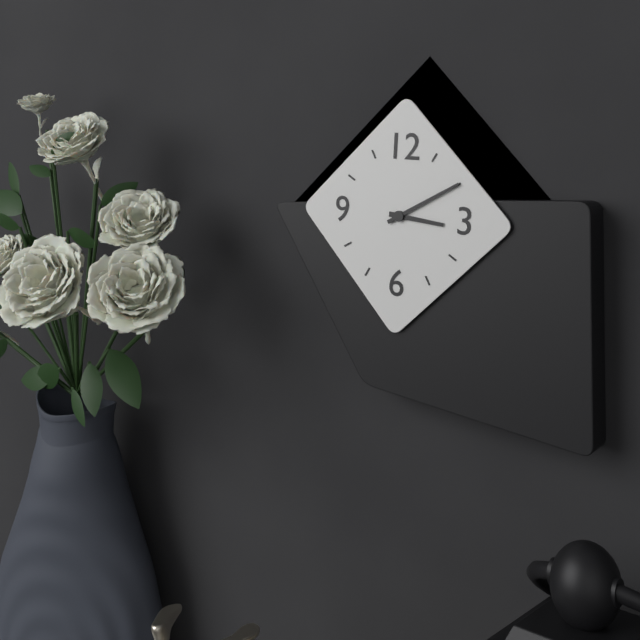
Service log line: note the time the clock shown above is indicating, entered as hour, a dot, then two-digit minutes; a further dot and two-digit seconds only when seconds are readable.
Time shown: 3.10
